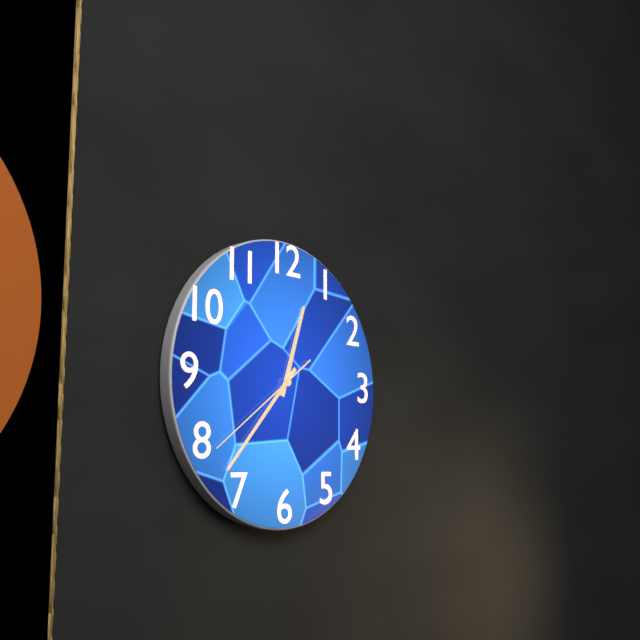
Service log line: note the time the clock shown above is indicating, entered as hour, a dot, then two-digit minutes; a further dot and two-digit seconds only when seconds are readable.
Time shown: 12.37.39
